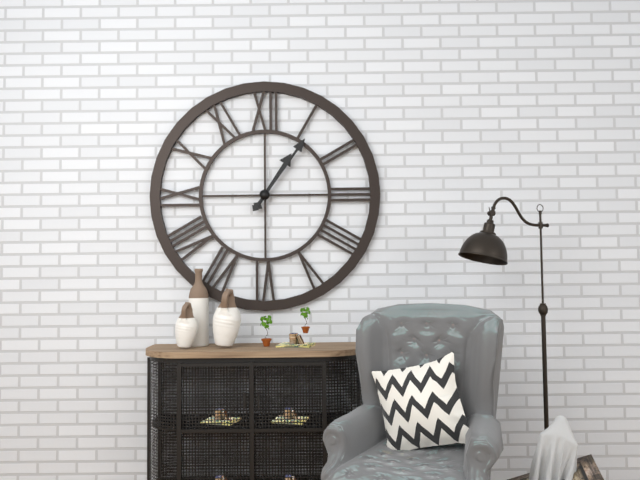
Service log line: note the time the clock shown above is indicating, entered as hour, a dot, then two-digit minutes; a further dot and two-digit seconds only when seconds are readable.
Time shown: 1.06
